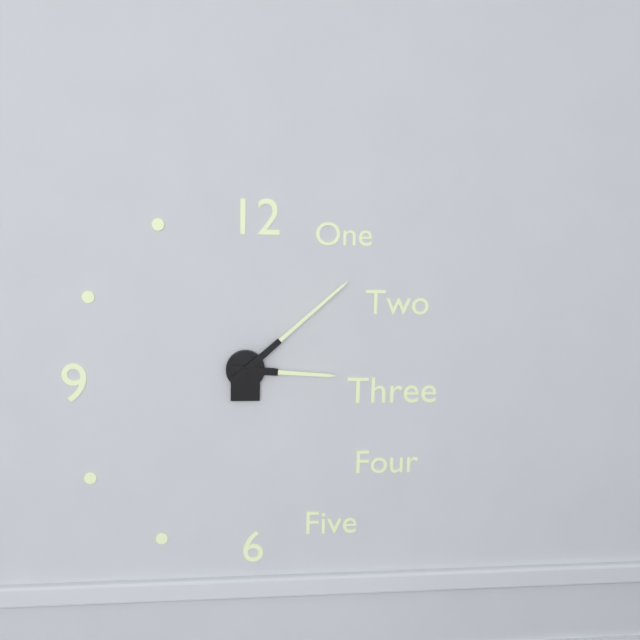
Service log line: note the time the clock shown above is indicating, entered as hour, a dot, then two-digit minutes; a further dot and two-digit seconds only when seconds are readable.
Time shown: 3.08
